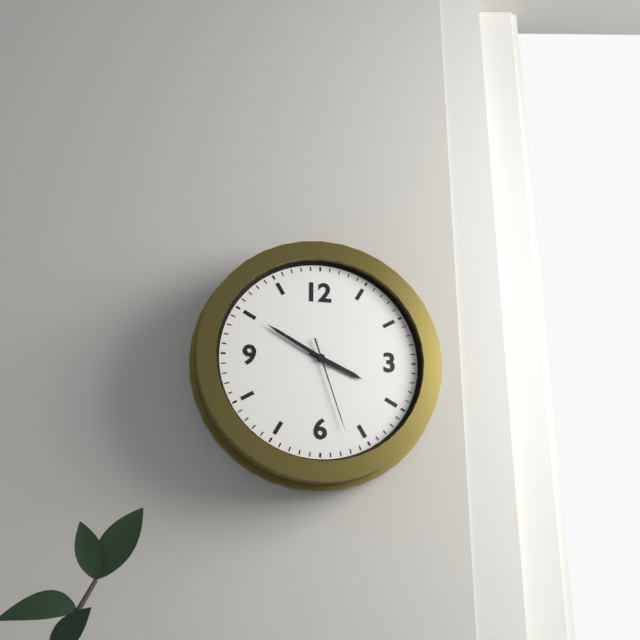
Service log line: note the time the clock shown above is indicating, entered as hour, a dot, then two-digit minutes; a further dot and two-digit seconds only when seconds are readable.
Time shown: 3.50.27
